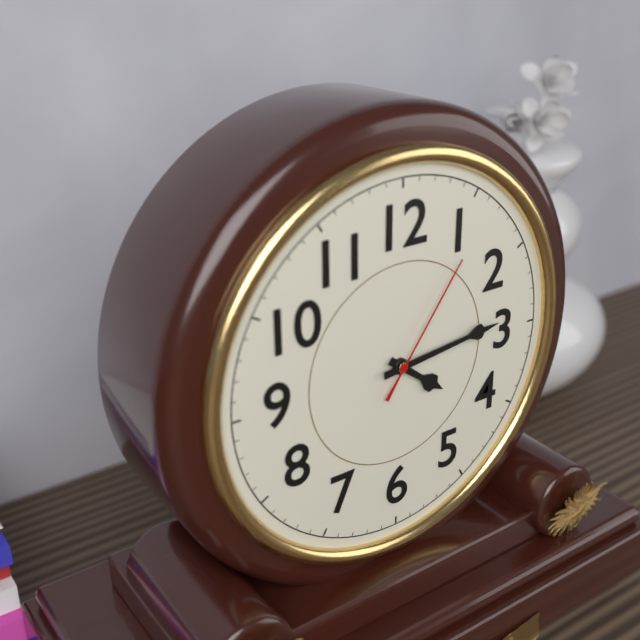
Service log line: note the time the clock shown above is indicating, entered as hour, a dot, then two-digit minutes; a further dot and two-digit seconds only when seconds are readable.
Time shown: 4.14.06
